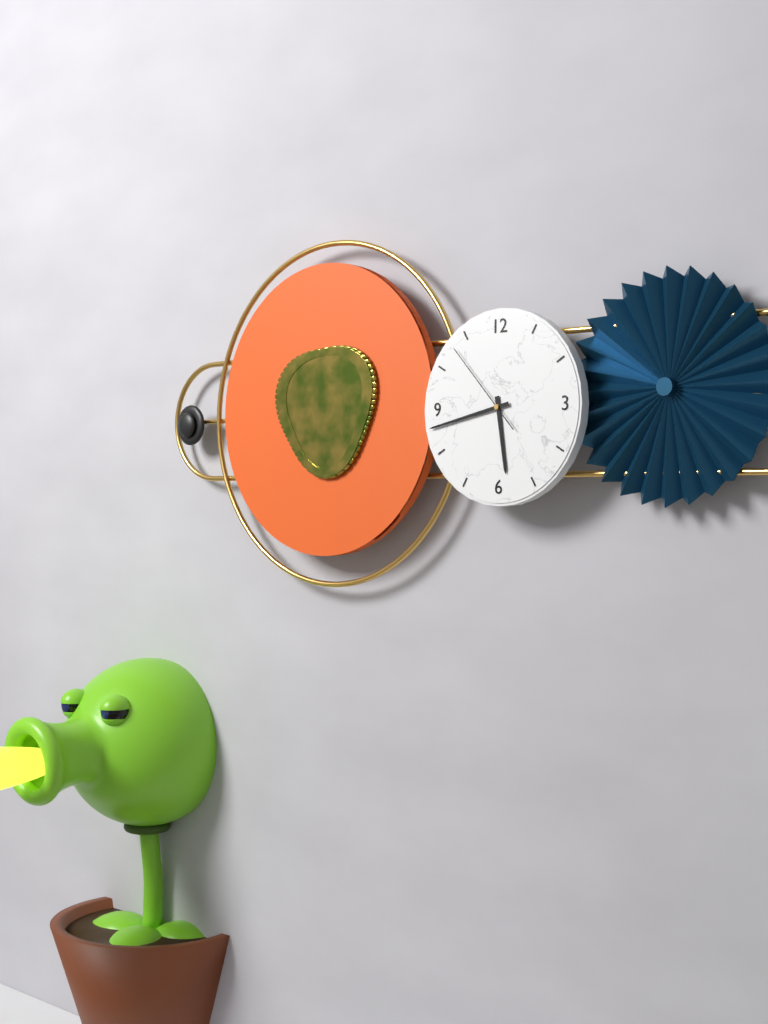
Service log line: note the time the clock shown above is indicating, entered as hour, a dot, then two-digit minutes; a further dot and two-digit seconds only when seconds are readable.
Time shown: 5.43.53
